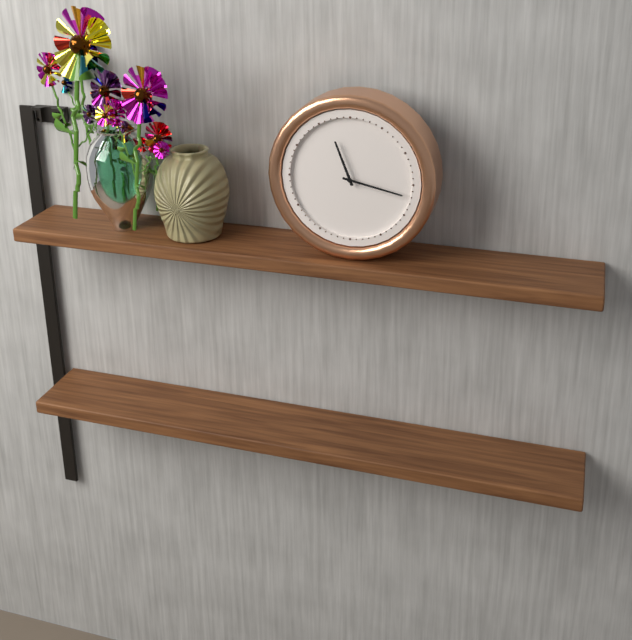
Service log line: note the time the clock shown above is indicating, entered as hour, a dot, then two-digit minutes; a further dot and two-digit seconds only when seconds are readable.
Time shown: 11.17
